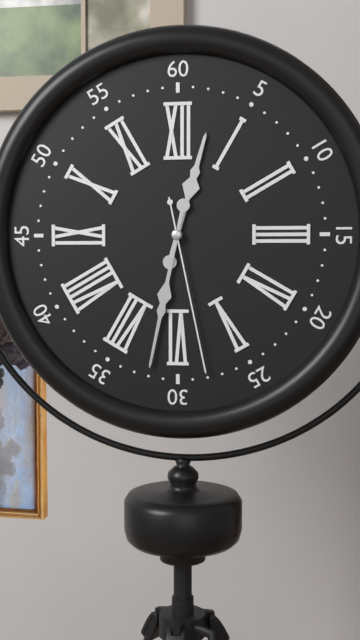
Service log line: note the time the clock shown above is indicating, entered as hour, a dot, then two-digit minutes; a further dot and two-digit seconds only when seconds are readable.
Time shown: 12.32.28
